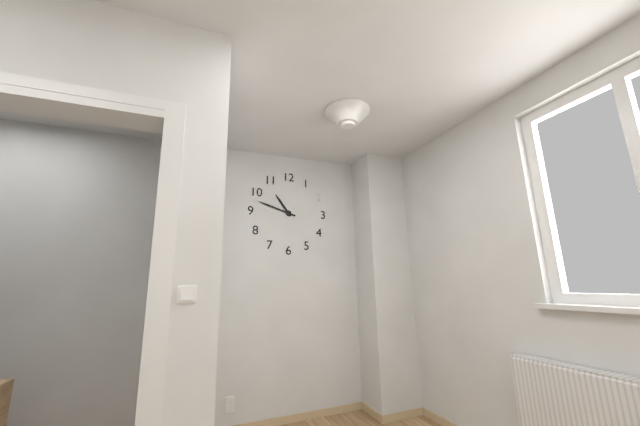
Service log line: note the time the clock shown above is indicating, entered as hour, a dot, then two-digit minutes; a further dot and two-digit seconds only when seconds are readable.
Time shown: 10.48
